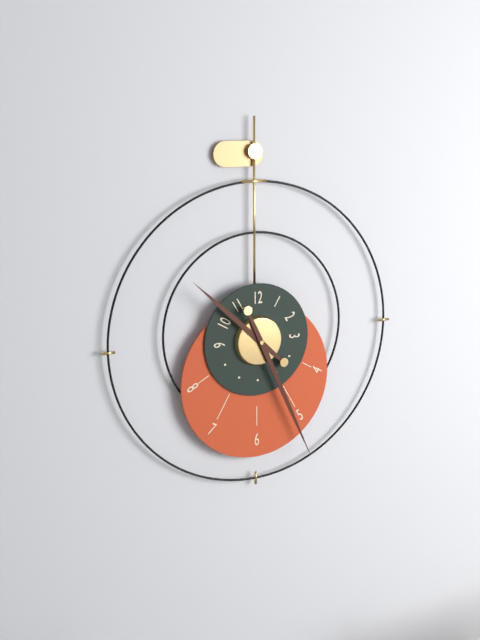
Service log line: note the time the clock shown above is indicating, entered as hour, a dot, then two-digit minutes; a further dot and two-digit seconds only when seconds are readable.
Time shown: 10.26
